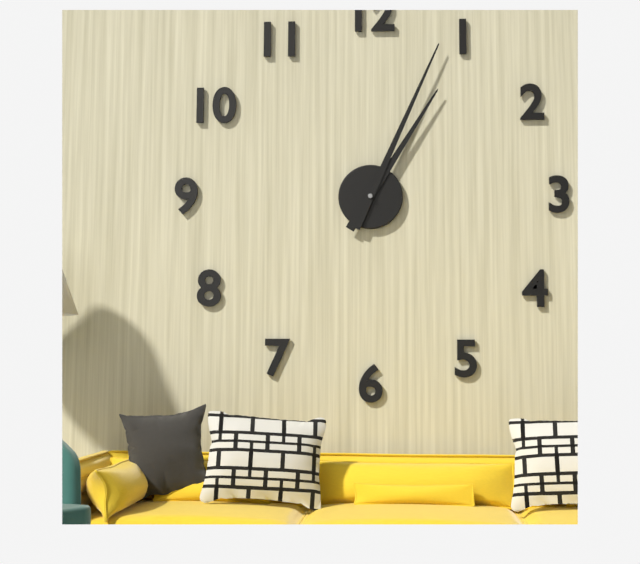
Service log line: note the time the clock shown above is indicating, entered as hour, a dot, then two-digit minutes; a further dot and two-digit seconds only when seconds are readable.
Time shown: 1.04
